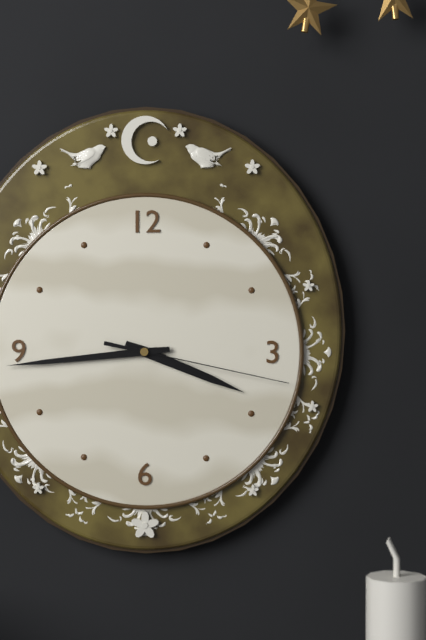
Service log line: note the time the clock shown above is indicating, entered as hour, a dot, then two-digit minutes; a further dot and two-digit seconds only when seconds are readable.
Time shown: 3.44.17
